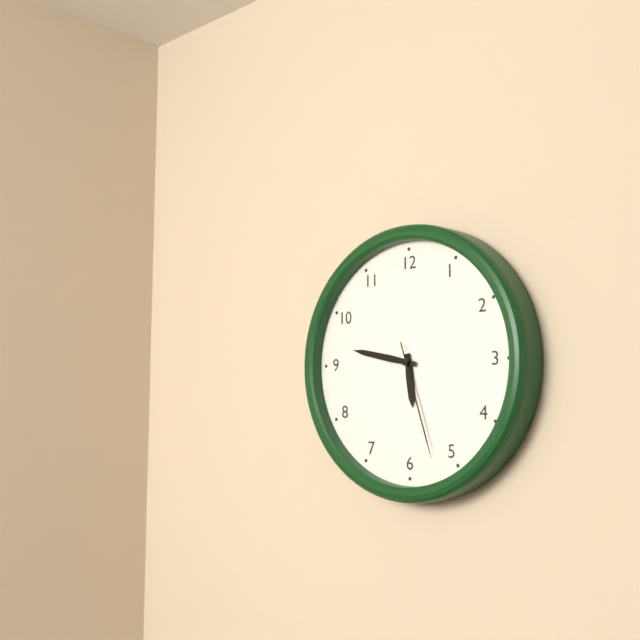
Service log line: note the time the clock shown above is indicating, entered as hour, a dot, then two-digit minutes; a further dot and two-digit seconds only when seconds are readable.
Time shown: 5.47.27
